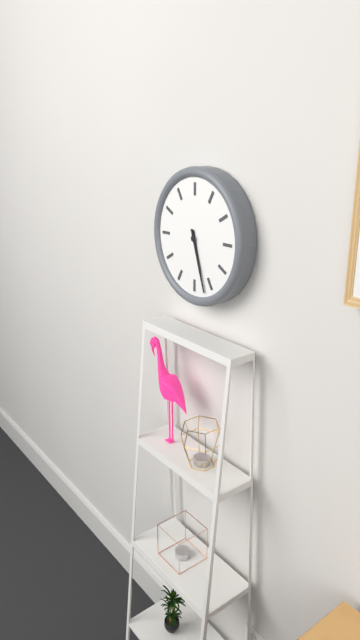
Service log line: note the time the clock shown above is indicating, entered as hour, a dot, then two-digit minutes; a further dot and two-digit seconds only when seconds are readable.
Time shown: 5.27
